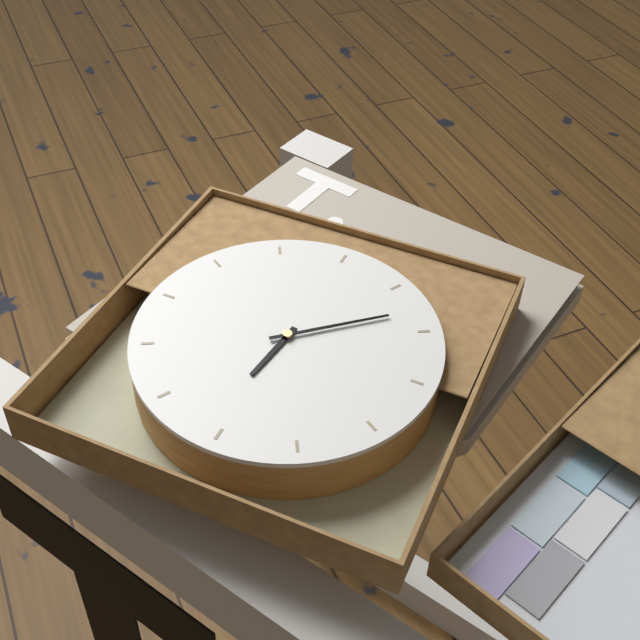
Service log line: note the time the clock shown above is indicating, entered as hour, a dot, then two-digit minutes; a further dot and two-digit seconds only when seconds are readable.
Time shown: 7.13
